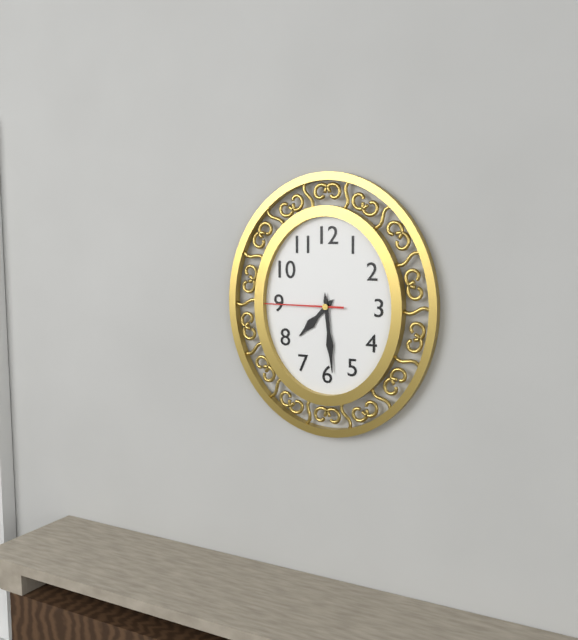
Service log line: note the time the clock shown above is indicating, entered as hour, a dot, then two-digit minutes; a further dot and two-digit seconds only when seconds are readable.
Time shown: 7.29.45
